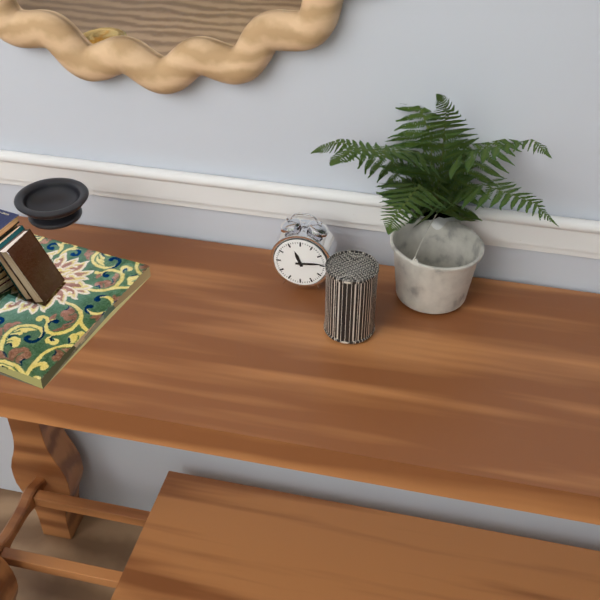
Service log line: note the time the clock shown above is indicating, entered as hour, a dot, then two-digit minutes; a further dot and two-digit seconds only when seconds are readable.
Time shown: 11.14
